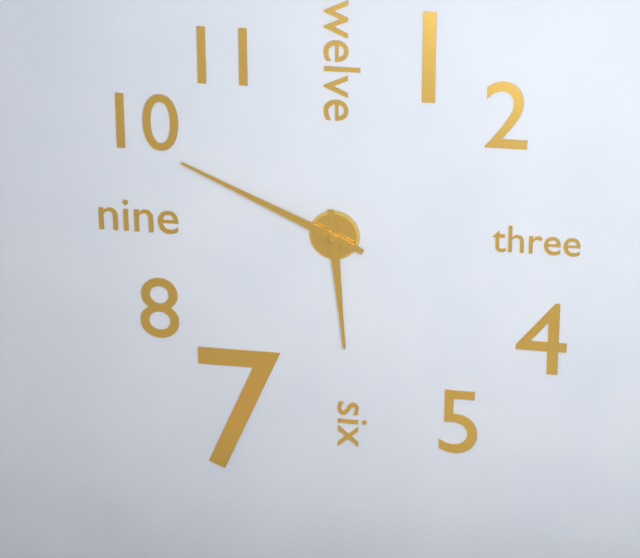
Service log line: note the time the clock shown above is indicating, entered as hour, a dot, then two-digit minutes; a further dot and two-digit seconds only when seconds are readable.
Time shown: 5.49
